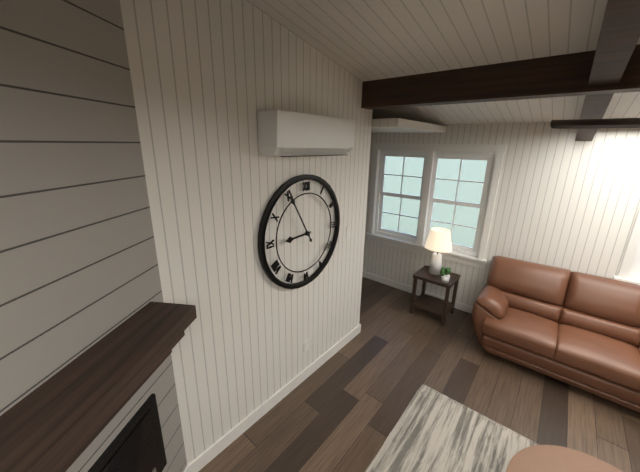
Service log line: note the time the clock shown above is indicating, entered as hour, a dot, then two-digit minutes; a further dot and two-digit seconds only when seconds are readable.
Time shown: 8.55
